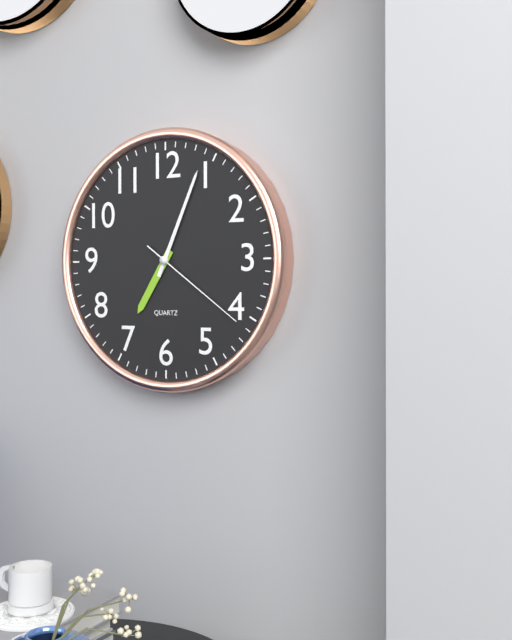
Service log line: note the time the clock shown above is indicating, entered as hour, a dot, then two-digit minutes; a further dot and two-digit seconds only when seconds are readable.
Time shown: 7.04.21
